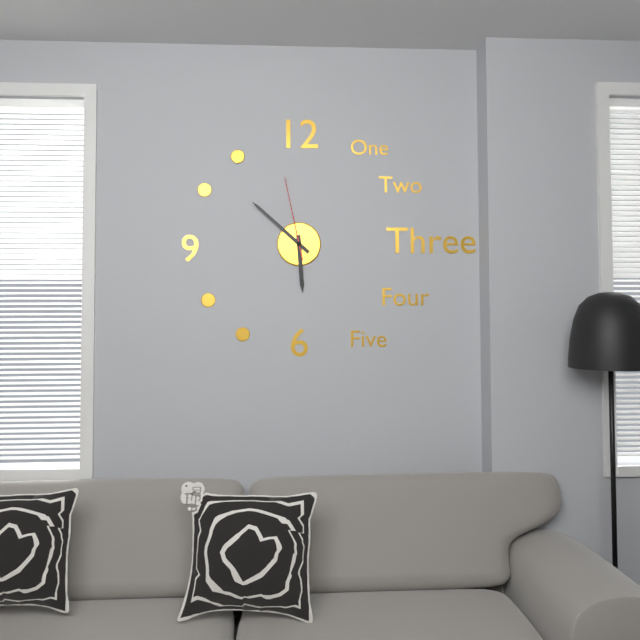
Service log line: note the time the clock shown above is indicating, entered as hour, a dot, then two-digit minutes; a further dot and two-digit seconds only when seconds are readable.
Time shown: 5.52.58
